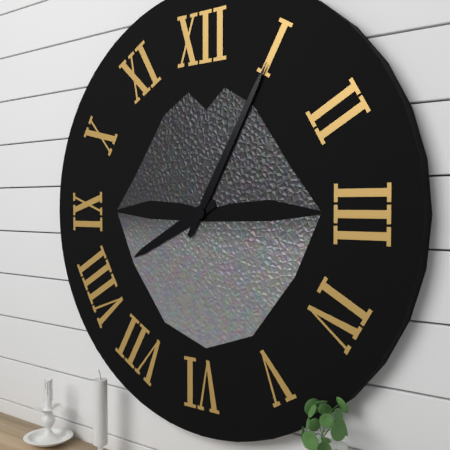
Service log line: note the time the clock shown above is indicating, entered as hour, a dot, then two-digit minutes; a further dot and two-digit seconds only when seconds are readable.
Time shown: 8.05
